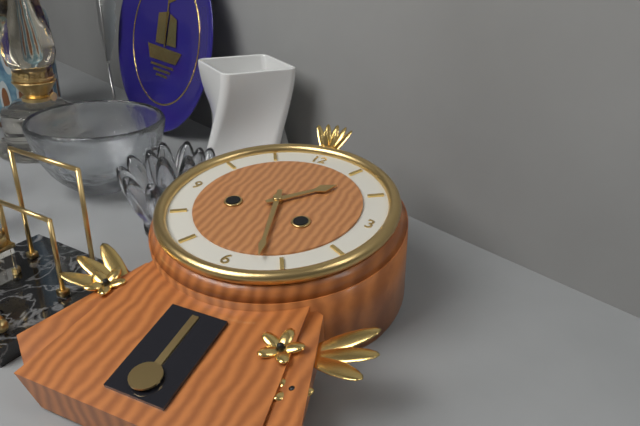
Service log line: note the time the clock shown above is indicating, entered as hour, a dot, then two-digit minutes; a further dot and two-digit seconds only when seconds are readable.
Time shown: 1.27
